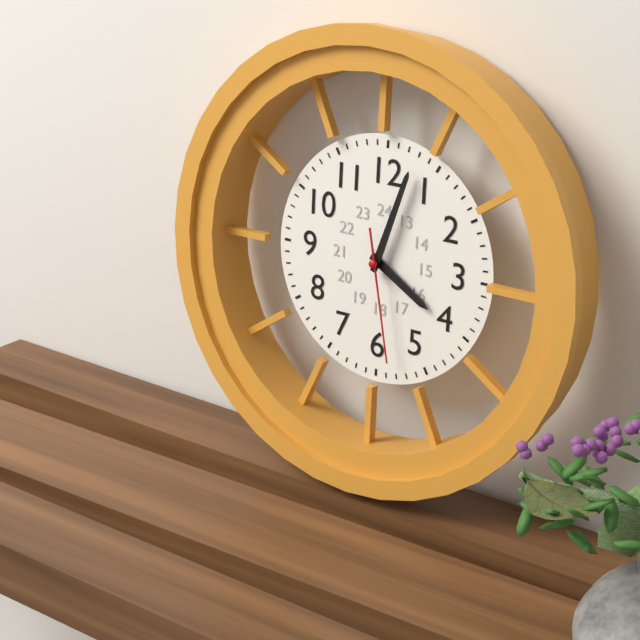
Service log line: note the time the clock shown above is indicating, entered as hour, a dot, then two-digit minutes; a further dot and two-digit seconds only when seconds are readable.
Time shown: 4.03.28
